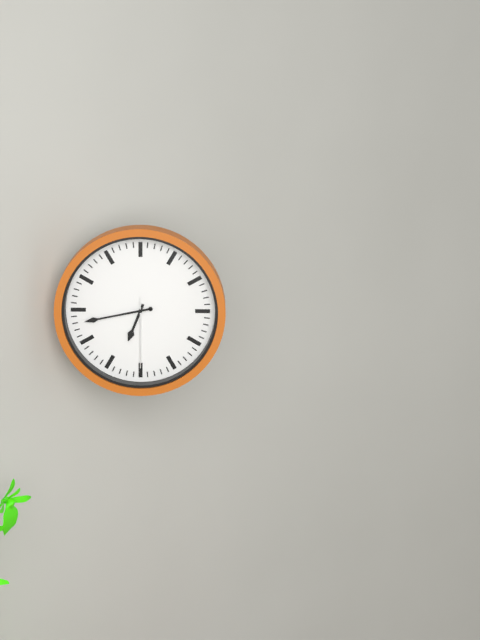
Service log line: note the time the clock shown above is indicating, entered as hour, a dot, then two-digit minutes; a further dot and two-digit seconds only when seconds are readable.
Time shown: 6.43.30
